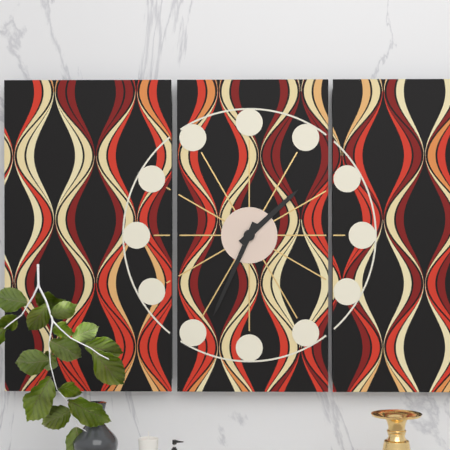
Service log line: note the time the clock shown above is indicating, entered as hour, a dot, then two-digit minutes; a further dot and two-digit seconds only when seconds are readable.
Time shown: 1.34
